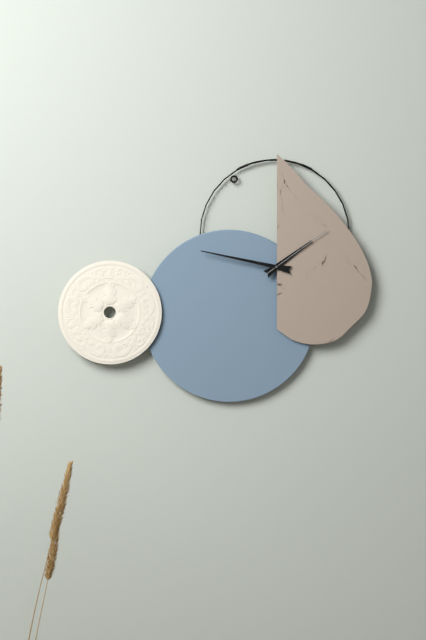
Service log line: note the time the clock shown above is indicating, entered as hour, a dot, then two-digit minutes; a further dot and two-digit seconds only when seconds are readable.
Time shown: 1.47.09
